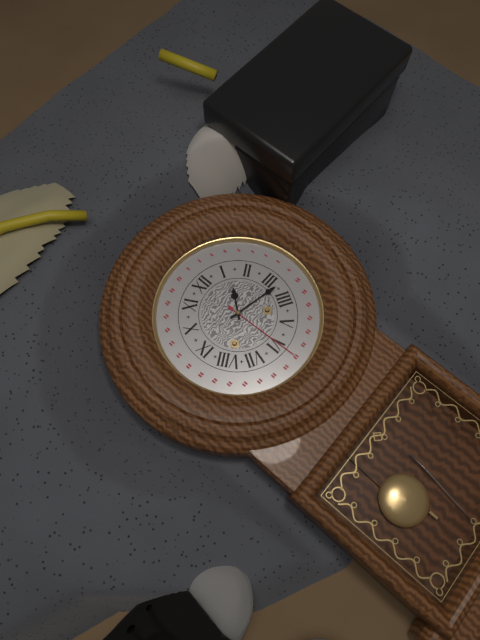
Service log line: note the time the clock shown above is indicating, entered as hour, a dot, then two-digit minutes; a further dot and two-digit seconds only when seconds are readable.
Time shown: 1.17
